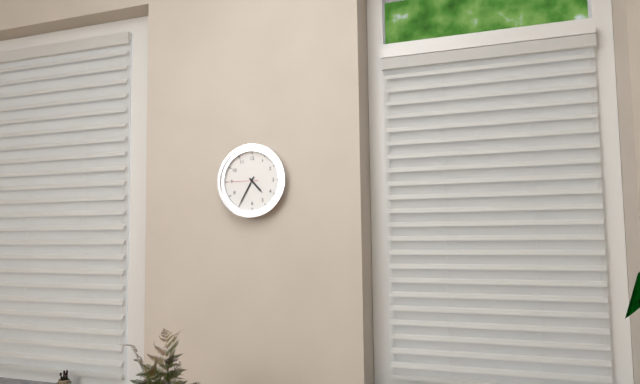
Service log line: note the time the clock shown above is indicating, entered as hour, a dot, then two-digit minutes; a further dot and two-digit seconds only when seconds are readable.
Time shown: 4.35
